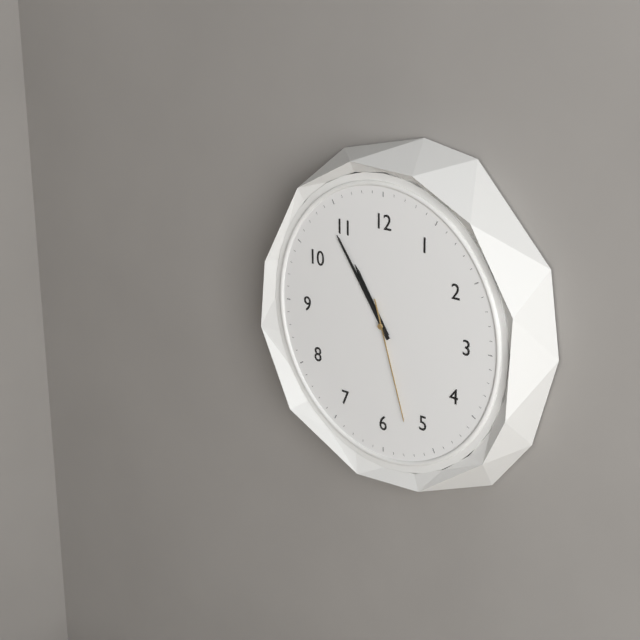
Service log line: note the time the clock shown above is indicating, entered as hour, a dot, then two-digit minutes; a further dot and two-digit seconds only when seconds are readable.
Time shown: 10.54.27
